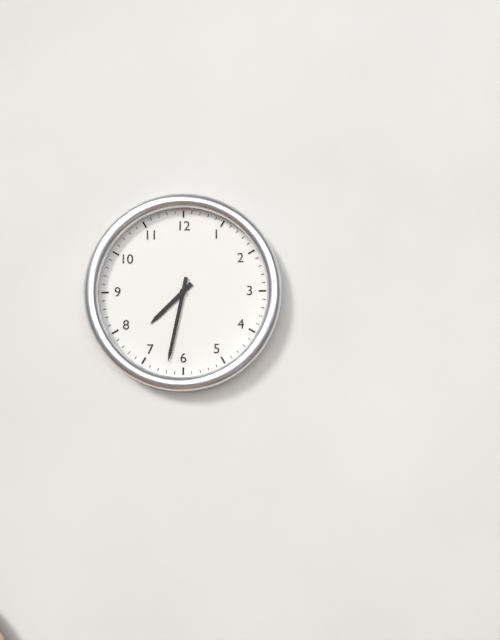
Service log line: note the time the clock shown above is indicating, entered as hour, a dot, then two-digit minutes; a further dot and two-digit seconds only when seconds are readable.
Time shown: 7.32
